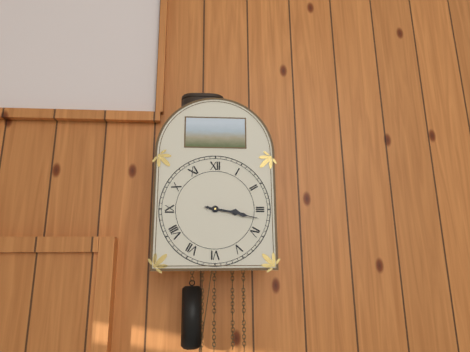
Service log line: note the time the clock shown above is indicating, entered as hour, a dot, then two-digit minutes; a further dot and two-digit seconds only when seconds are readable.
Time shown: 3.17
